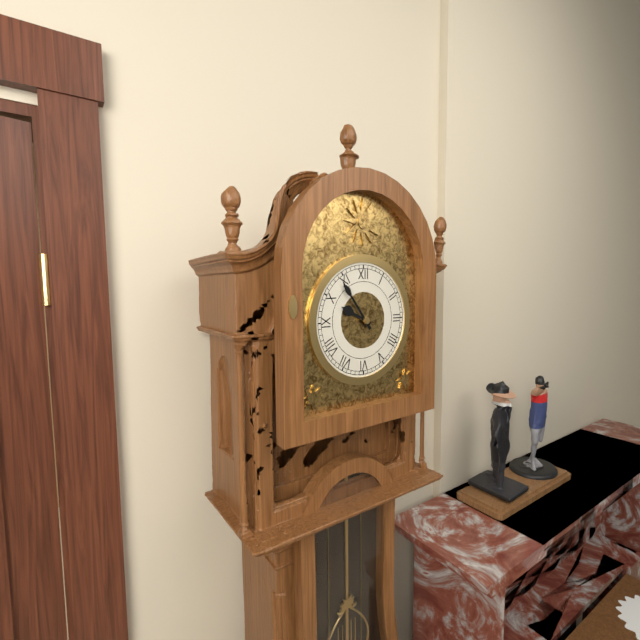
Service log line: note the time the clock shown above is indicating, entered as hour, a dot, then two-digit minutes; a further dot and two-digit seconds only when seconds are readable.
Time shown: 9.54
